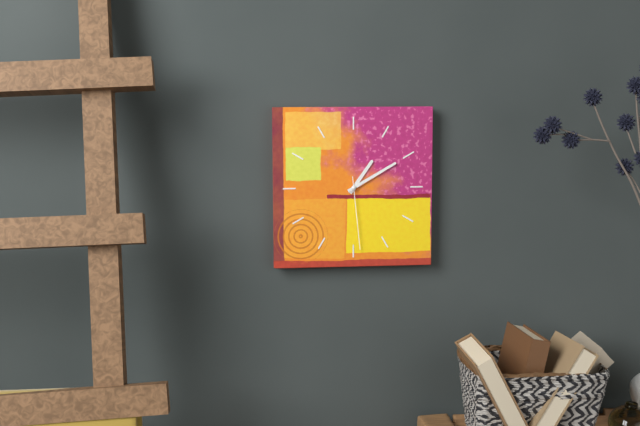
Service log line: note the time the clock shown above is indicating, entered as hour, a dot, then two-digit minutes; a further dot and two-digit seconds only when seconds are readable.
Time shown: 1.10.29
